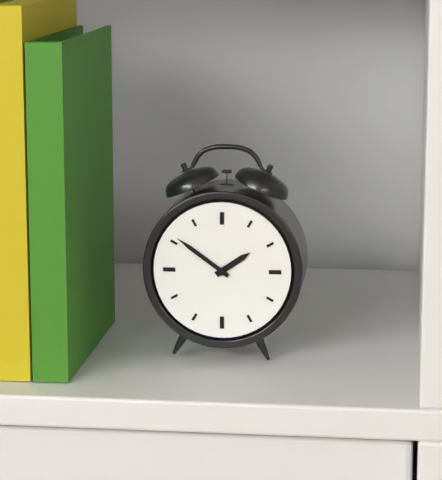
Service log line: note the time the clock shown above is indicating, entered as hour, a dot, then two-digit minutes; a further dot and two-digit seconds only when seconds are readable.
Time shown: 1.51
